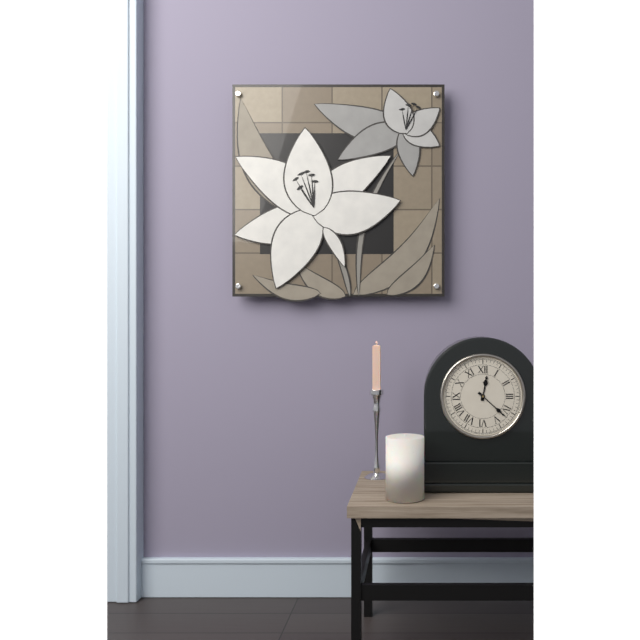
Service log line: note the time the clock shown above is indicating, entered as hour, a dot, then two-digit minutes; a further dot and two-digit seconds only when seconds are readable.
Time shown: 12.22
